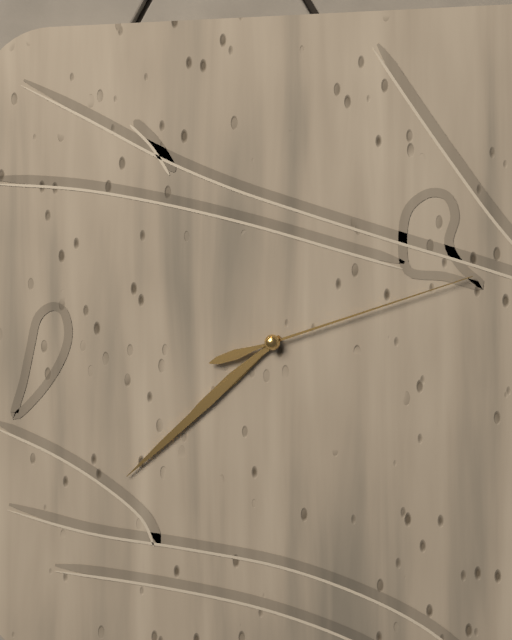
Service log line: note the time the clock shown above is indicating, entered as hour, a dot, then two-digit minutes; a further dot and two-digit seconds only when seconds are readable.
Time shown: 7.38.12
